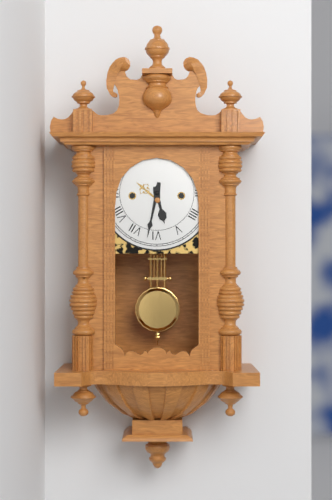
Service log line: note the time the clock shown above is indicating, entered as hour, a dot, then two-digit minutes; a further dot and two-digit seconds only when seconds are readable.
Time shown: 5.32
